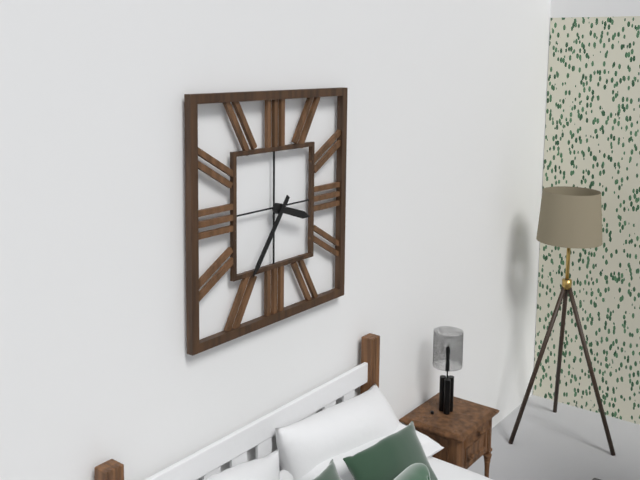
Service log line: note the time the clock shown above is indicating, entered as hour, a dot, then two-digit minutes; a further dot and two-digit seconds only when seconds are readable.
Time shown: 3.36
